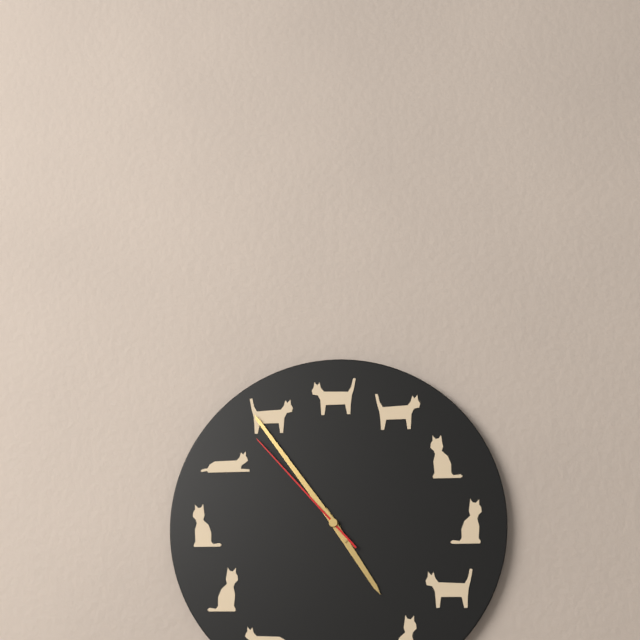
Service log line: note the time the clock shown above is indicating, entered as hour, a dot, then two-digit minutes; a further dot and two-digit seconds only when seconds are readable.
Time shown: 4.54.53
